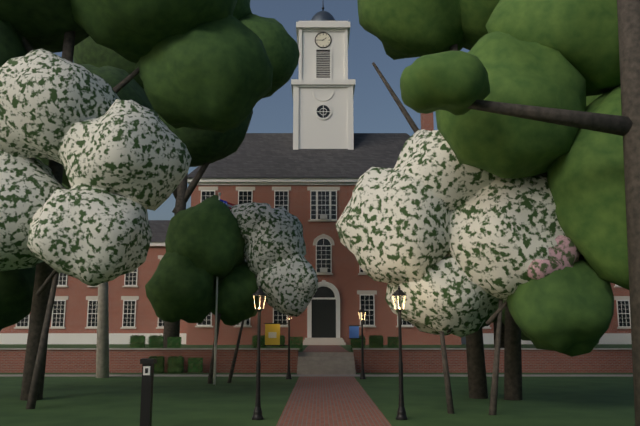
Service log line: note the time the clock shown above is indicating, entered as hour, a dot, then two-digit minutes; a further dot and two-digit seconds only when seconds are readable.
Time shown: 1.45
